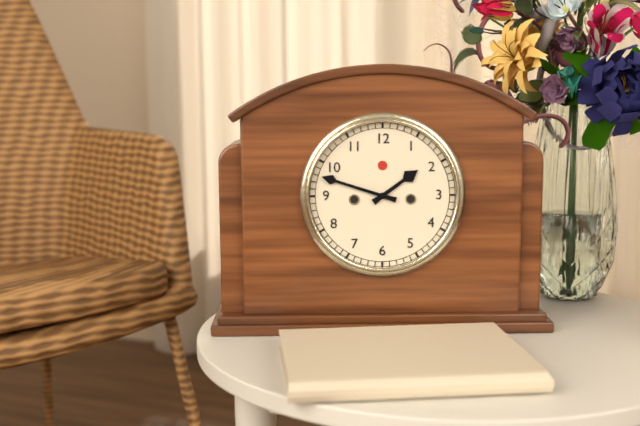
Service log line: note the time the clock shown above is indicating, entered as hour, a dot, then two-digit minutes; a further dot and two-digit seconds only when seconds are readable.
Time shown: 1.48
